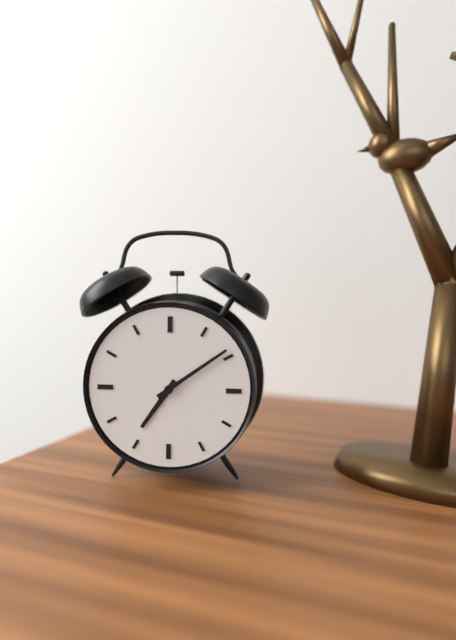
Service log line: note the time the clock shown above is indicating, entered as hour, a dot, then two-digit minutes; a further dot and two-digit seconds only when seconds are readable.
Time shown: 7.09
